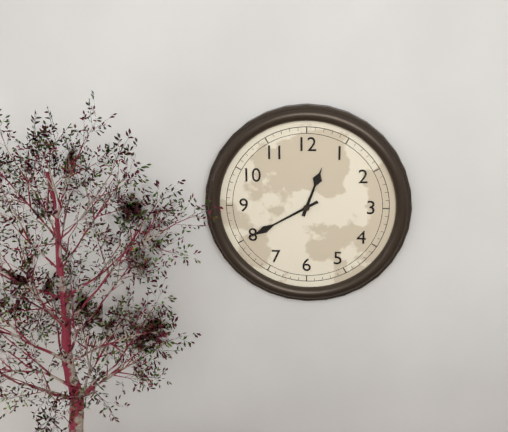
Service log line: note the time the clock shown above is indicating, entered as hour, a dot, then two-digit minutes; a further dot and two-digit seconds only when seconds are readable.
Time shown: 12.40
